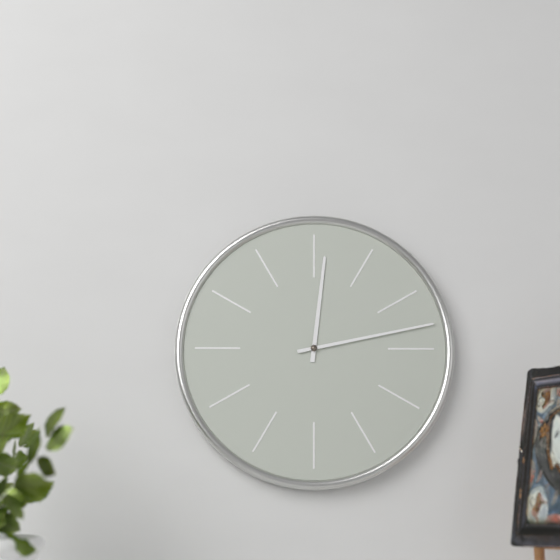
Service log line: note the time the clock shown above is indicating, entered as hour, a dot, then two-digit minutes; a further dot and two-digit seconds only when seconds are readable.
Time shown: 12.13
